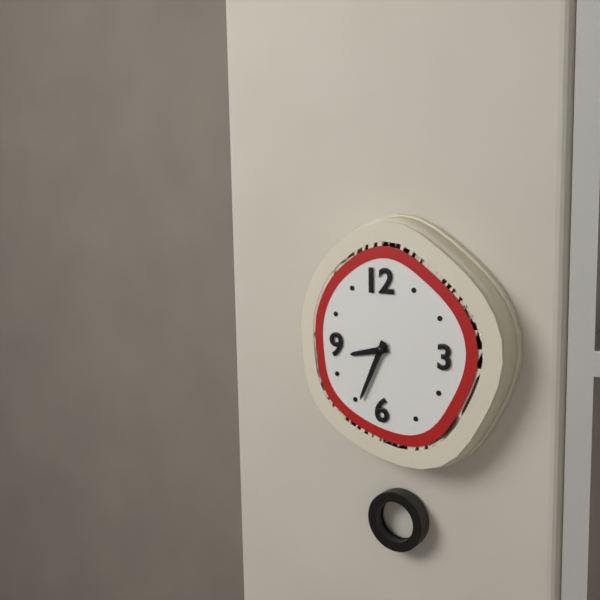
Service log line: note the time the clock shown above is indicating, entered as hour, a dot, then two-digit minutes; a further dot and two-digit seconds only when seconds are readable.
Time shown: 8.34
